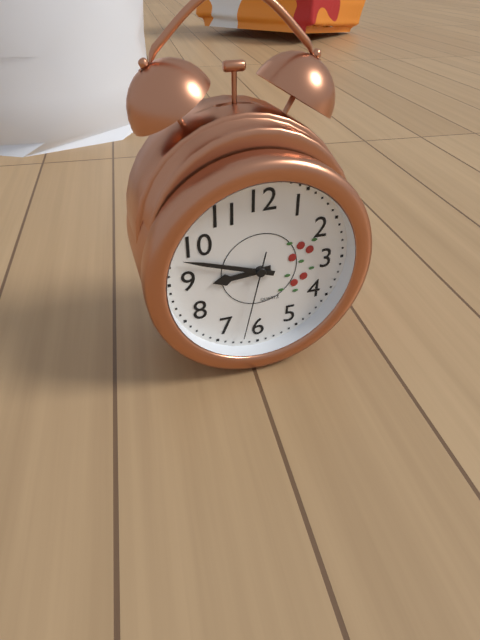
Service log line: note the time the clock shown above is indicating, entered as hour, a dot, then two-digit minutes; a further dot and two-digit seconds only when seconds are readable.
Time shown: 8.48.32
